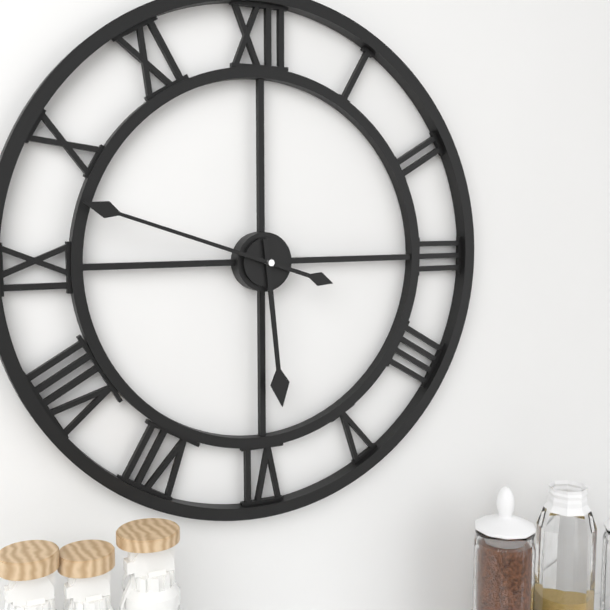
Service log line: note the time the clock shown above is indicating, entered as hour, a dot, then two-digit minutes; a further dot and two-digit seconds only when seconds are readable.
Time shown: 5.48
